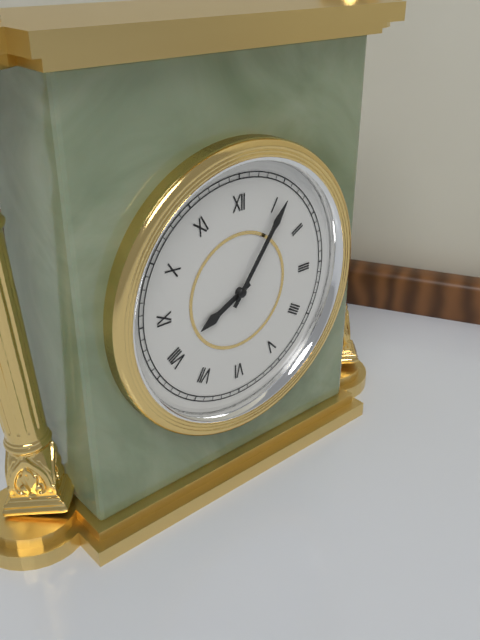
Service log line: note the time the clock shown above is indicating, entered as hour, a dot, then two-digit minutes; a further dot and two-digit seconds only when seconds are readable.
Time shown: 8.06
